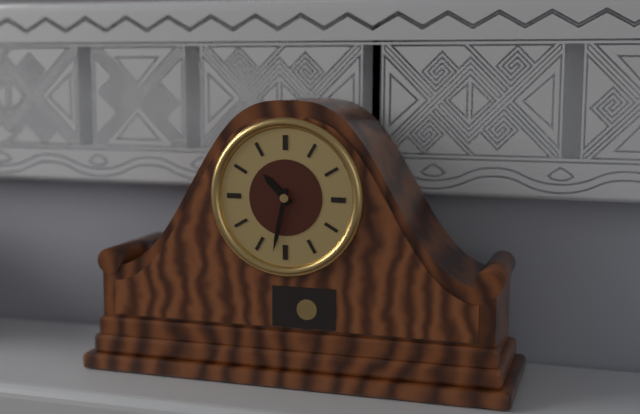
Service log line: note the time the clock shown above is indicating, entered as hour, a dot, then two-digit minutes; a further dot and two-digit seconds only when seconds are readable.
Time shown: 10.32
